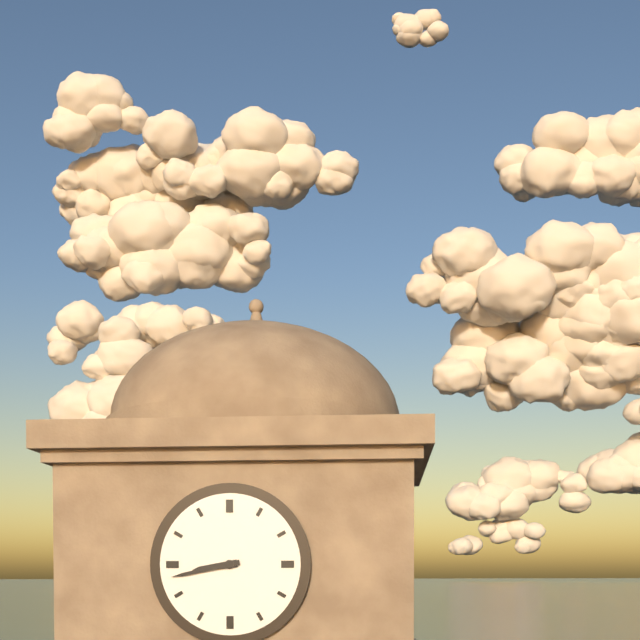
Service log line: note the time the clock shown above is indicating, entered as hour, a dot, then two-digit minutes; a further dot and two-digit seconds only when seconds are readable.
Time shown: 8.43
